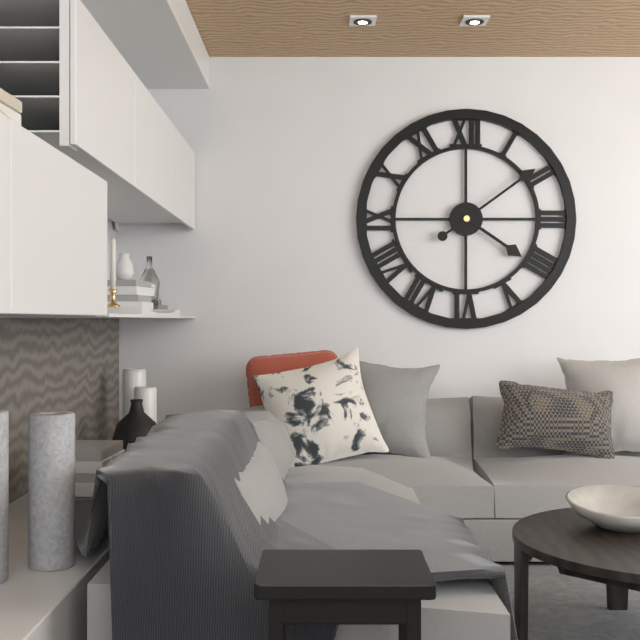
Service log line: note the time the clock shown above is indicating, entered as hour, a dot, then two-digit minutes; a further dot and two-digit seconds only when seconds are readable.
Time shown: 4.09
